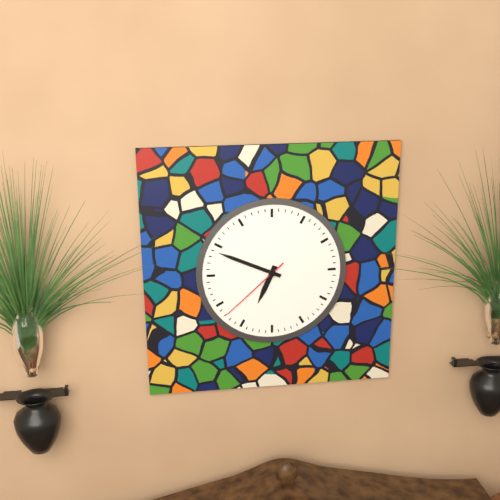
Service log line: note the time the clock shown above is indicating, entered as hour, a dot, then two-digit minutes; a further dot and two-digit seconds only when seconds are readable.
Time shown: 6.49.38
